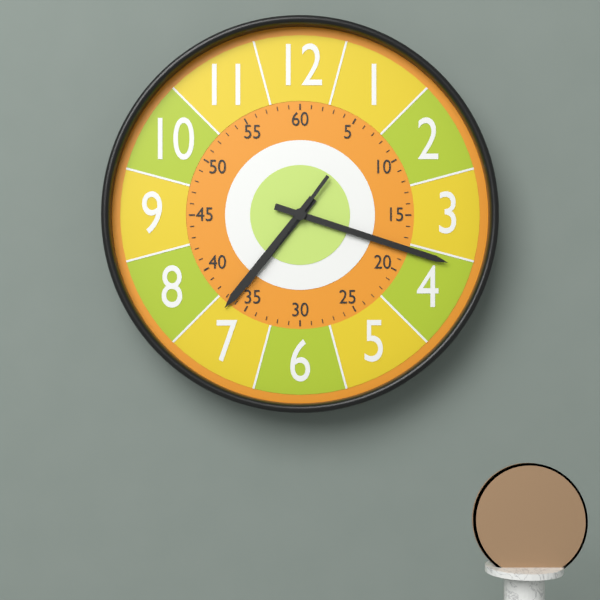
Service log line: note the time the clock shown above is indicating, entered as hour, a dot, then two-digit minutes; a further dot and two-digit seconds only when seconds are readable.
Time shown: 7.18.36
